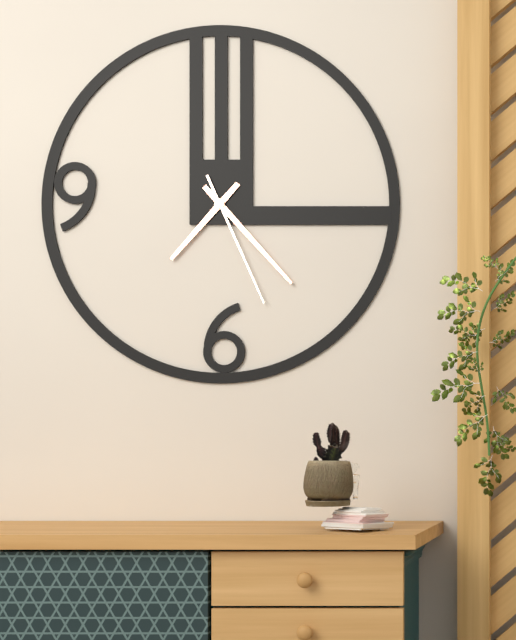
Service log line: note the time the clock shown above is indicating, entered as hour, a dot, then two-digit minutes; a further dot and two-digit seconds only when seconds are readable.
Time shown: 7.23.26
